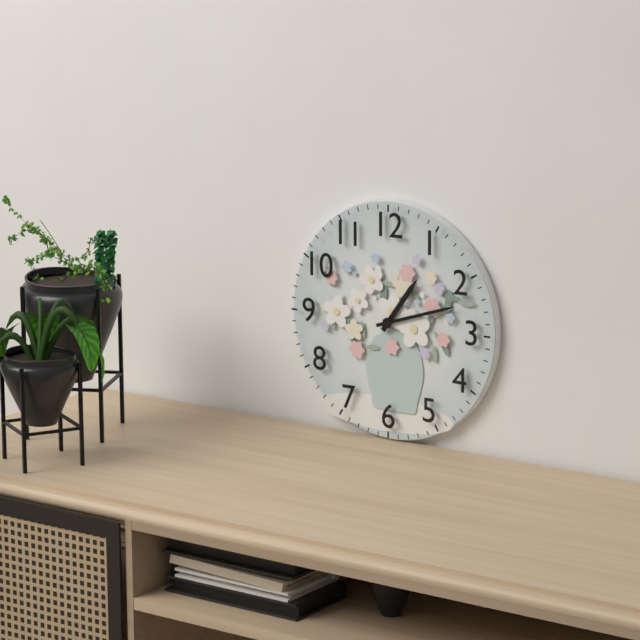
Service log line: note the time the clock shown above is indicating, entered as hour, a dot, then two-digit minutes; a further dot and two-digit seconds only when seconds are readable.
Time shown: 1.12
